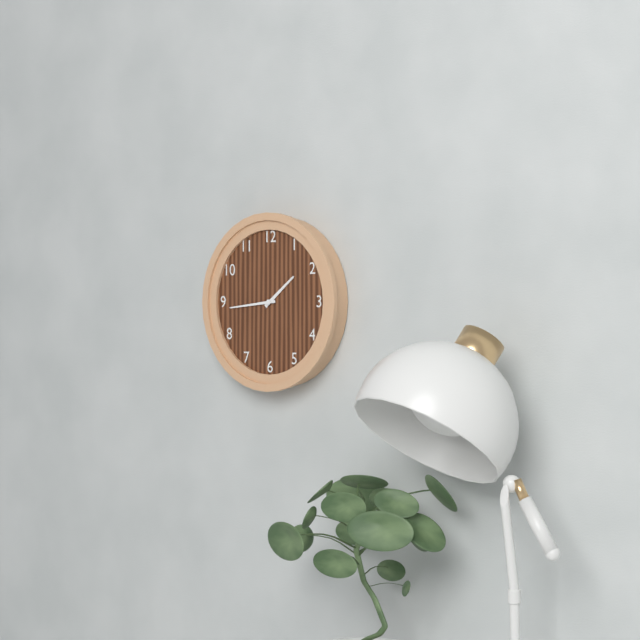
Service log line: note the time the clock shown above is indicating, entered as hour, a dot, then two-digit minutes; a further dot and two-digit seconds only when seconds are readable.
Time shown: 1.44
